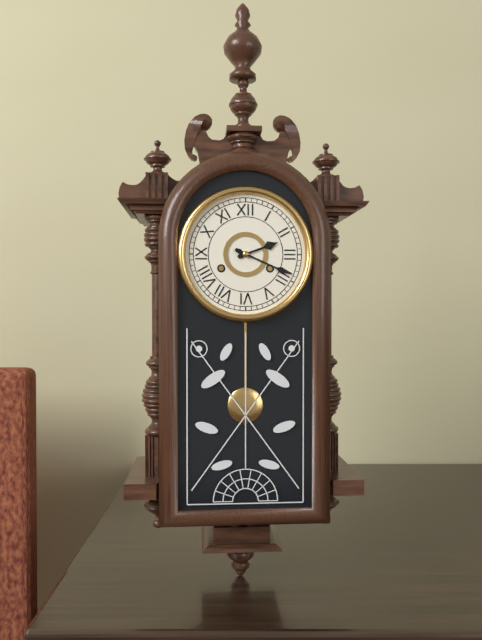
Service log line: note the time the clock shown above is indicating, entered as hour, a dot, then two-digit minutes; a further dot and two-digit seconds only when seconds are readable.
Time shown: 2.19
